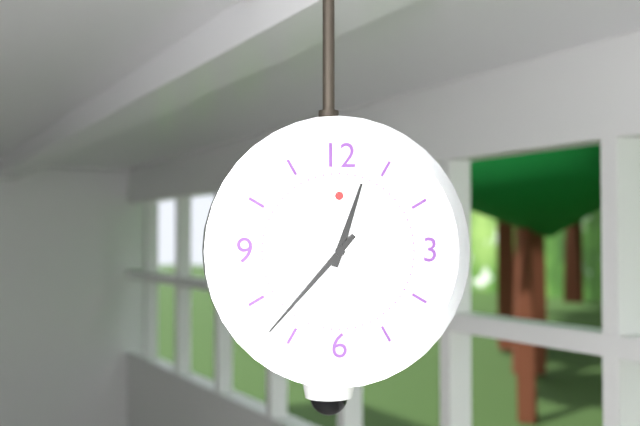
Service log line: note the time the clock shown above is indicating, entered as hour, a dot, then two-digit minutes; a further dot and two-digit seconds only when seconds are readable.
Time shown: 12.37
